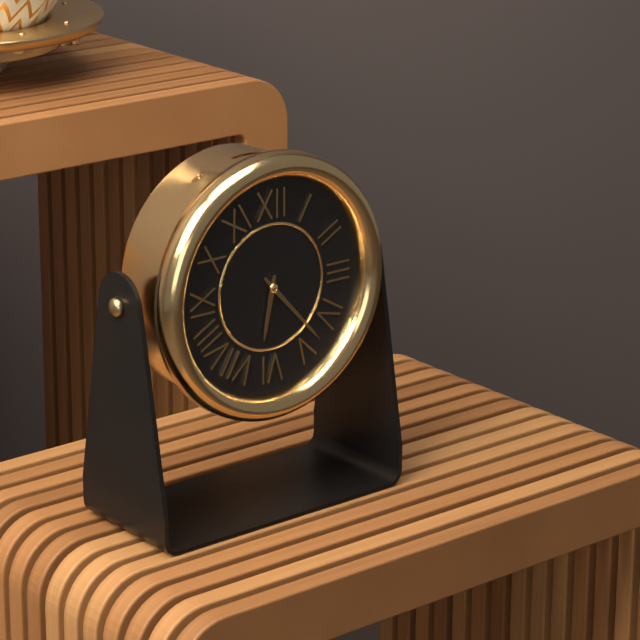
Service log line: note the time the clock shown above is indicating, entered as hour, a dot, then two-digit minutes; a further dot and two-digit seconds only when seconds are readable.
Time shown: 6.23
